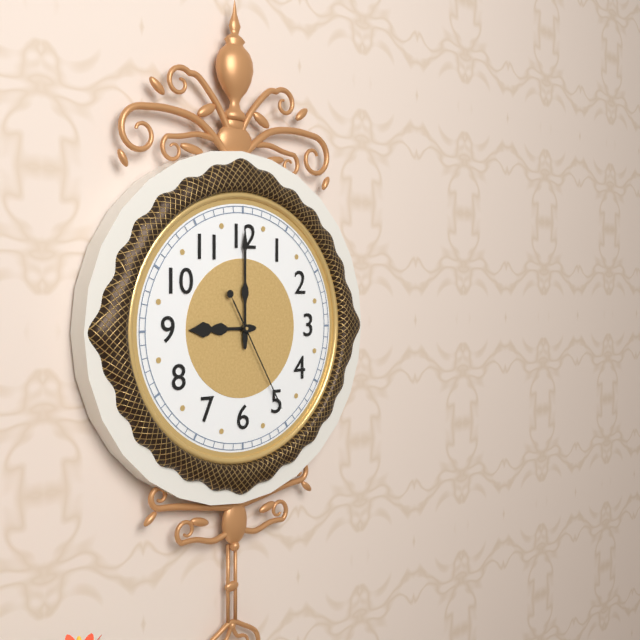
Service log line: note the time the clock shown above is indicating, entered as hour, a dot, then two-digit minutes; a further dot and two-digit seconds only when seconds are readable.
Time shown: 9.00.25
